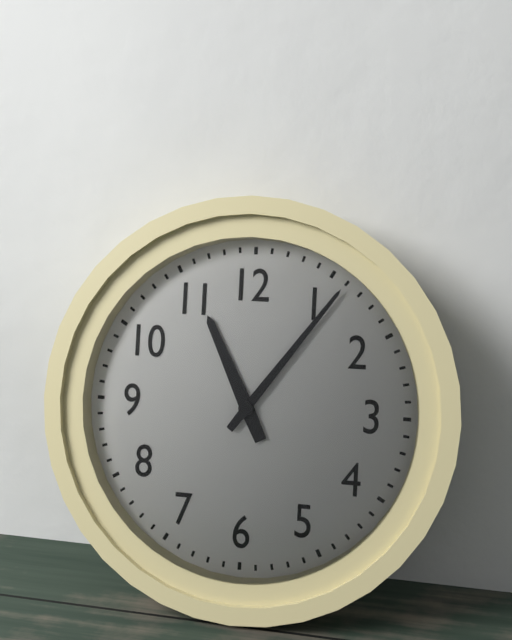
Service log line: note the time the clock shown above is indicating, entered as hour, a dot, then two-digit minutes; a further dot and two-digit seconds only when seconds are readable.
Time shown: 11.06
